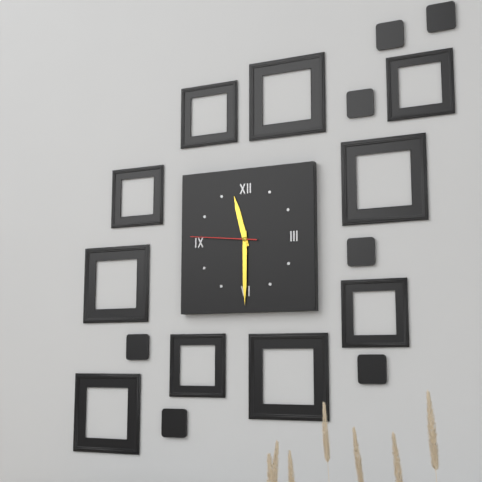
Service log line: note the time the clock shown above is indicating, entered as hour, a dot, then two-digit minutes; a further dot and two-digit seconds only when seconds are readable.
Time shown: 11.30.46
